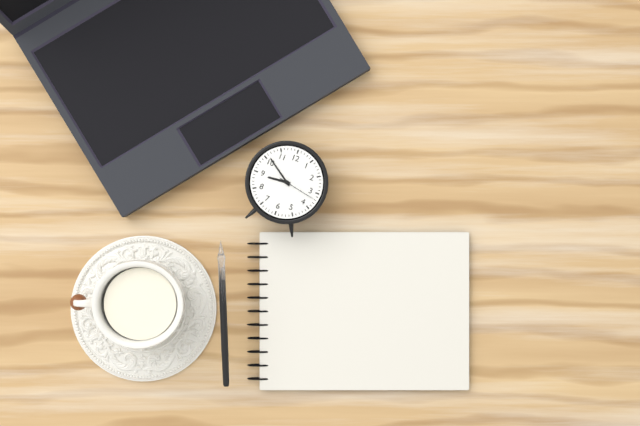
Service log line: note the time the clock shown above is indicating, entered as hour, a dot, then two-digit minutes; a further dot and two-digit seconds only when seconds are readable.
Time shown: 8.51
